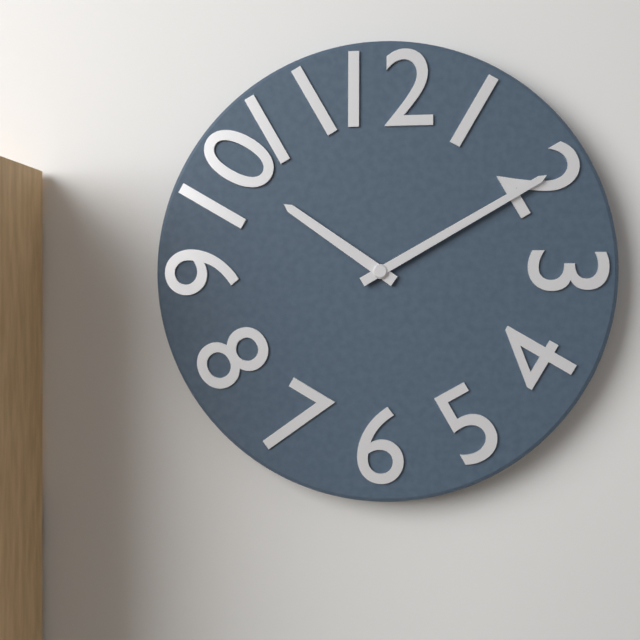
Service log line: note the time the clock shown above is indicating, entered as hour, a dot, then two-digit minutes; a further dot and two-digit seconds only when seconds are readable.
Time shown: 10.10
